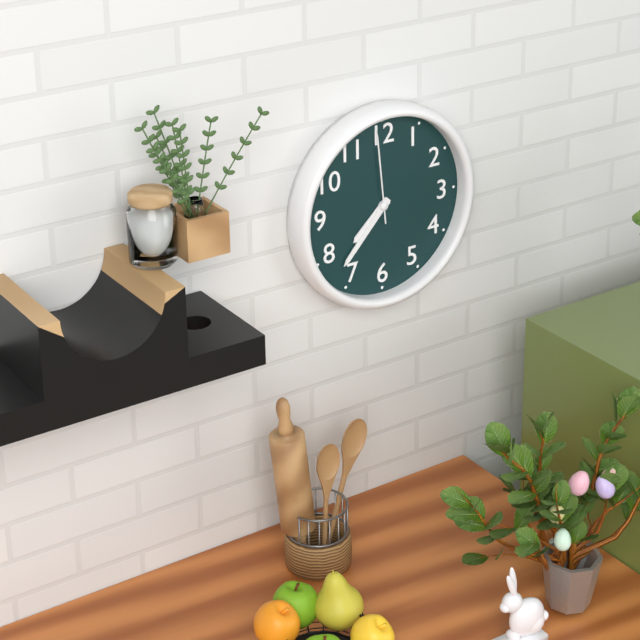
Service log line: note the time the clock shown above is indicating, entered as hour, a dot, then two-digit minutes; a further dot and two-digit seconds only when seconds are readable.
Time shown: 7.37.59
